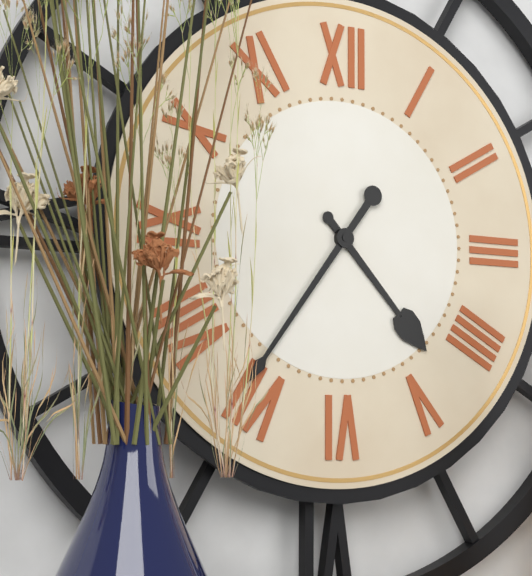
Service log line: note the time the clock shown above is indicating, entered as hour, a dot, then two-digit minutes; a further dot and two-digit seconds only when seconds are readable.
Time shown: 4.36
